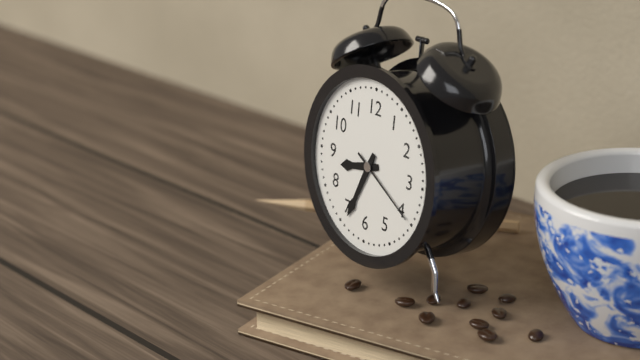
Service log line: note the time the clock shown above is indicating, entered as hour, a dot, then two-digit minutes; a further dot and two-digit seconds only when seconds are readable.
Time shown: 8.34.20
